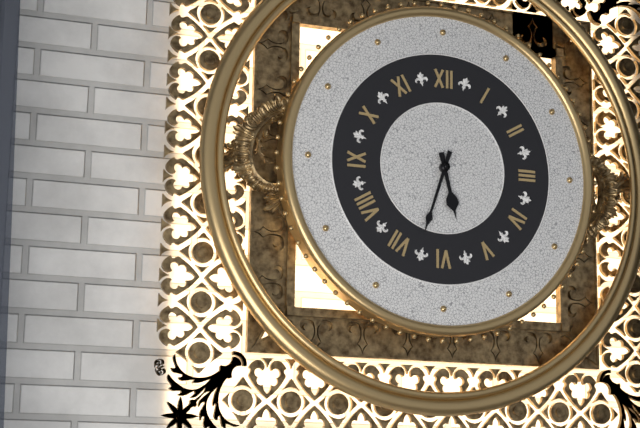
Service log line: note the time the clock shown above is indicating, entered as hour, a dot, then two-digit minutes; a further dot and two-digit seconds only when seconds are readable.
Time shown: 5.33
